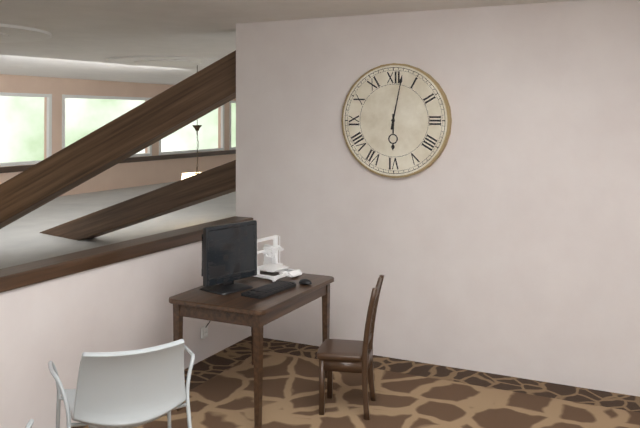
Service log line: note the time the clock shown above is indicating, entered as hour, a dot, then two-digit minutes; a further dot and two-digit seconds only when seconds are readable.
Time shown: 6.02
